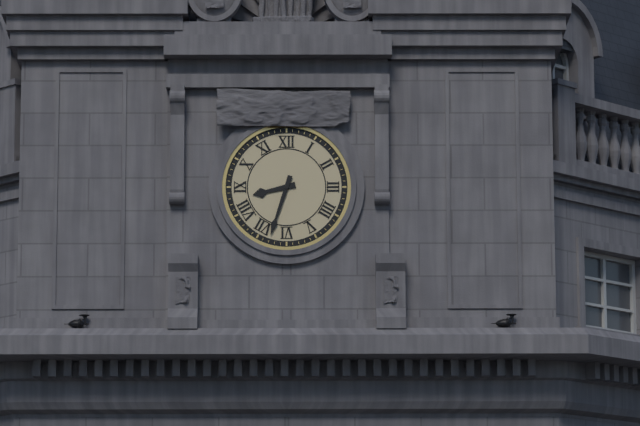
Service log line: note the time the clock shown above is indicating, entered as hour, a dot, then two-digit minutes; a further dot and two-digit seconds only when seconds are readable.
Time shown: 8.33
